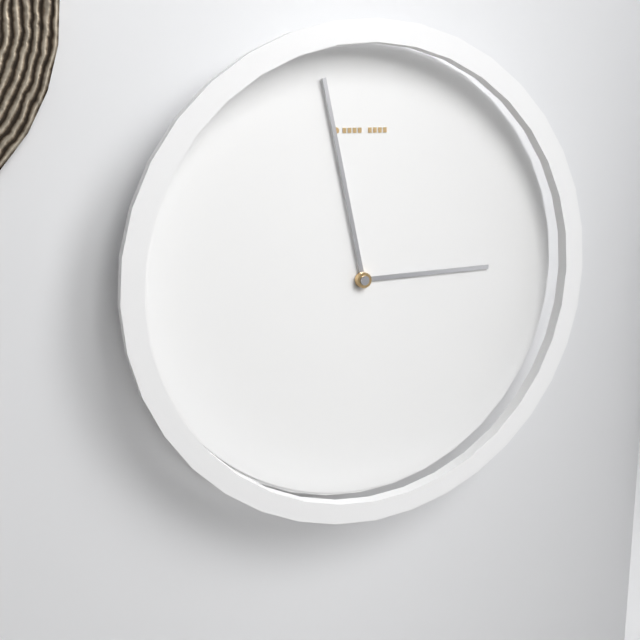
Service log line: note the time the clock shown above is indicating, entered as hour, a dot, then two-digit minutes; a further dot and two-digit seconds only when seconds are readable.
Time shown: 2.58
